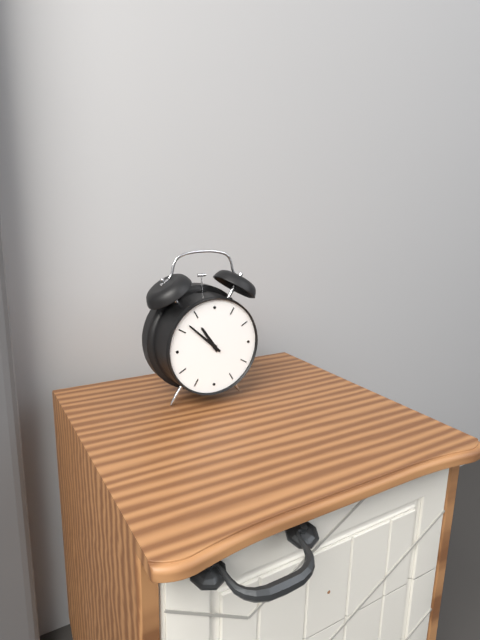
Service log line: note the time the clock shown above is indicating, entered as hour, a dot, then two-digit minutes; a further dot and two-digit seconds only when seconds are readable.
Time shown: 10.52
